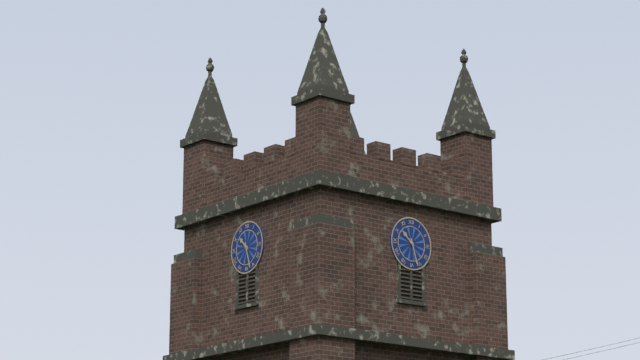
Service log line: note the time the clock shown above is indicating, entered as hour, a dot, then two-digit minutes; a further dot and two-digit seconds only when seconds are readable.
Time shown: 10.27
